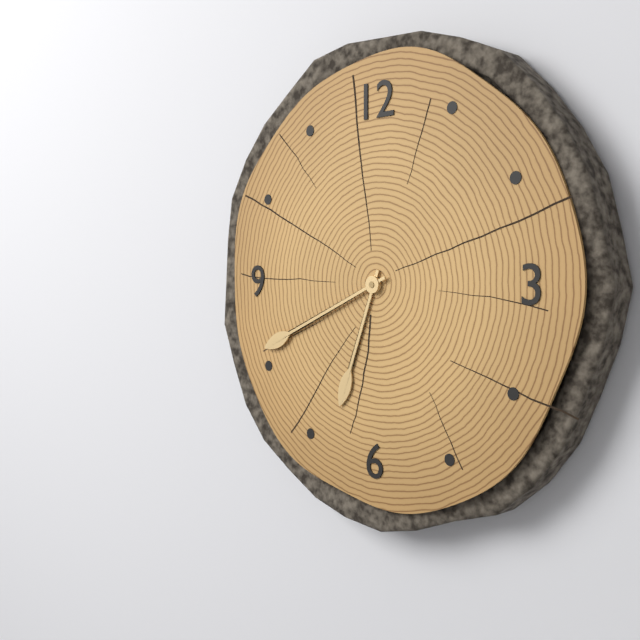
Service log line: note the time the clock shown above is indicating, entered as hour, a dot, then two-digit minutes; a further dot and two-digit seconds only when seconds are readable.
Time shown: 6.41
